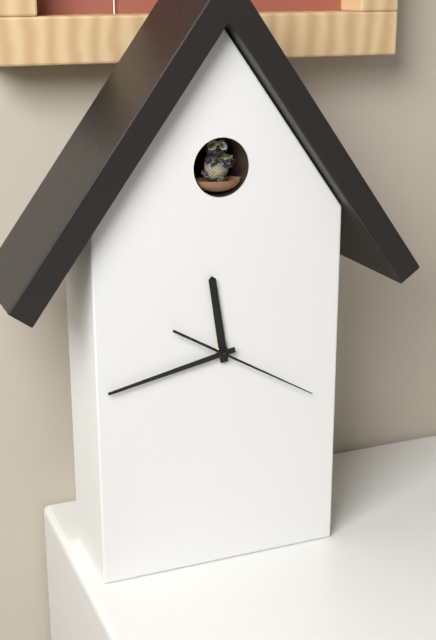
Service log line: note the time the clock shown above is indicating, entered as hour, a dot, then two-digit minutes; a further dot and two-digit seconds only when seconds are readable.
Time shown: 11.43.20
